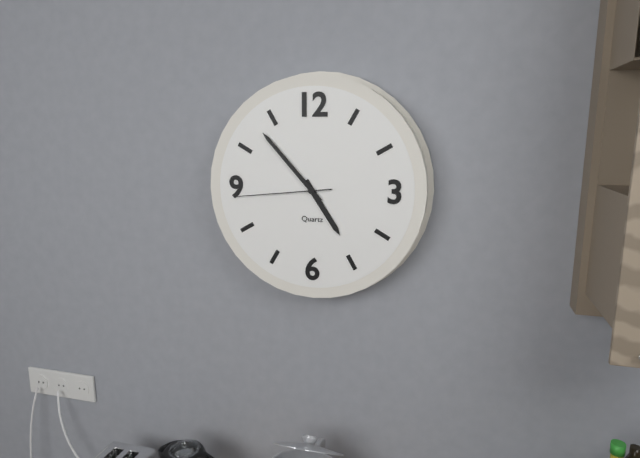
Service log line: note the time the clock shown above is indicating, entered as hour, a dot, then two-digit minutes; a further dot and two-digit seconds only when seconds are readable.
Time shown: 4.53.44
